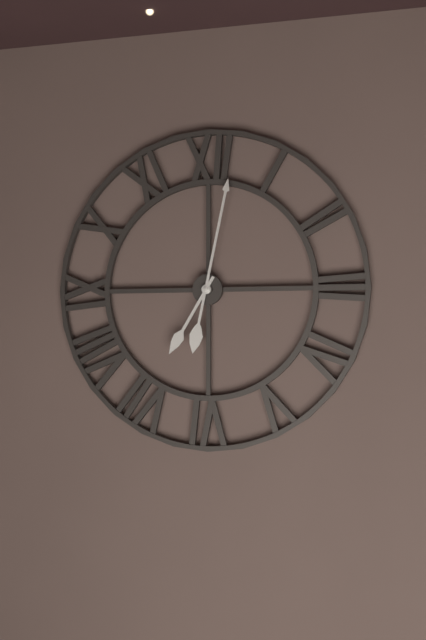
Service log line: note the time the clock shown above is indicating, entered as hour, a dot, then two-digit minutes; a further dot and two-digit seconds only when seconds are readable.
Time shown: 7.02
